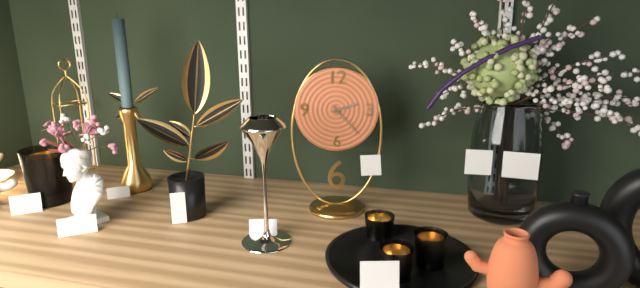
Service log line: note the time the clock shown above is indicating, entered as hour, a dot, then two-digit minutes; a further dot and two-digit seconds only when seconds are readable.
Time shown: 2.23
